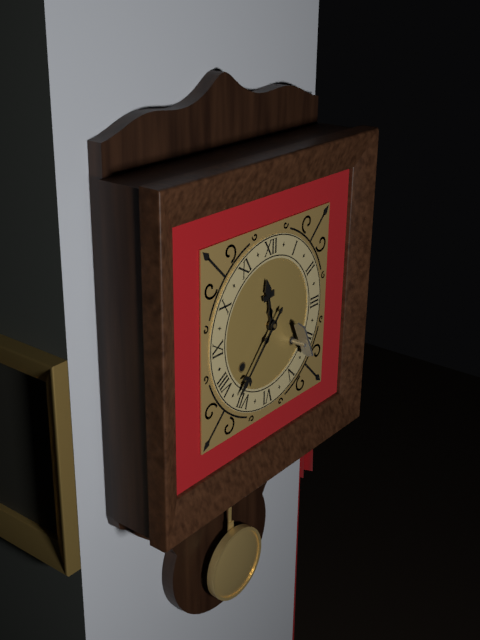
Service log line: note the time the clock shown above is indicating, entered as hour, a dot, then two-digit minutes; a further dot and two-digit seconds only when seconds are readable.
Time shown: 11.37
